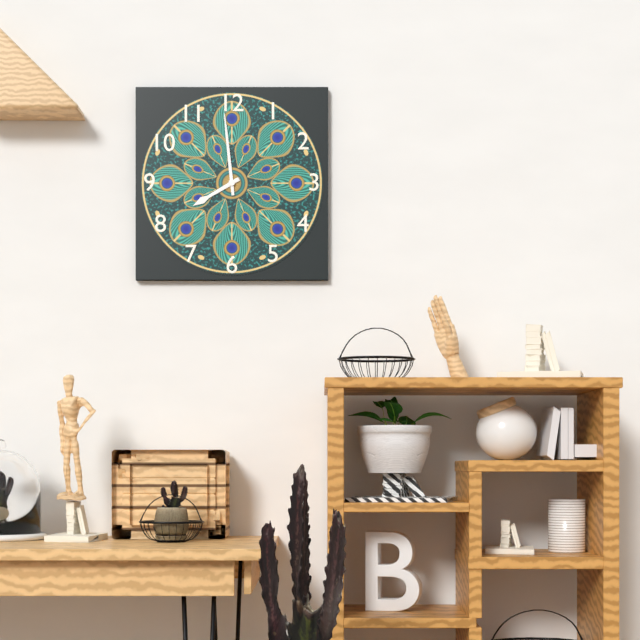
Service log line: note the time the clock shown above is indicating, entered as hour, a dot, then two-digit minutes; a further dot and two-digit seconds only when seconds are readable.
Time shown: 7.59
